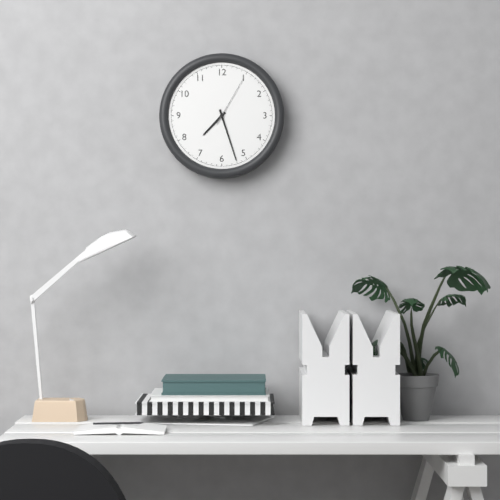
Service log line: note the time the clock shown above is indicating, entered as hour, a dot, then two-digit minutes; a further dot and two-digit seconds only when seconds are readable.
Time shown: 7.27.05
